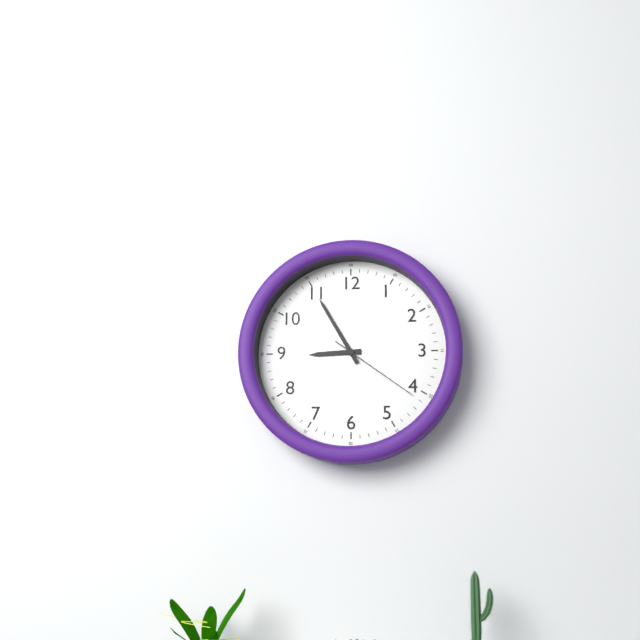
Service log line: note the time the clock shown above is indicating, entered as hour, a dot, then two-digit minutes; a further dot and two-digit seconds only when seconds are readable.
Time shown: 8.55.21
